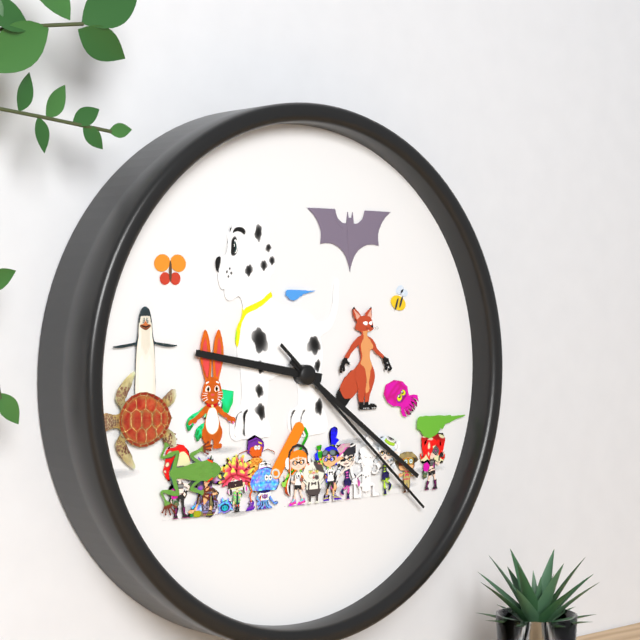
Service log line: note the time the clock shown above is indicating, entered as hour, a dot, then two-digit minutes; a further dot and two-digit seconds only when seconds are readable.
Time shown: 9.21.22
